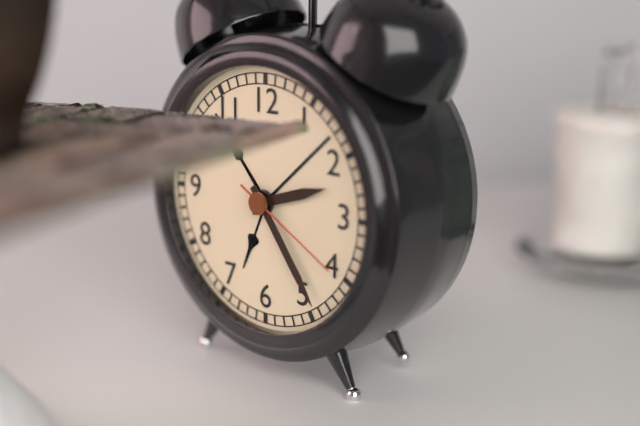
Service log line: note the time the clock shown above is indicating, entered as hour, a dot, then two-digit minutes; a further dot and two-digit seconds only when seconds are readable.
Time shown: 2.24.20
